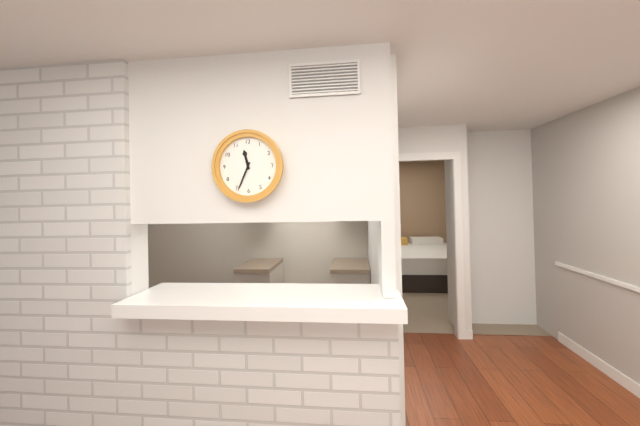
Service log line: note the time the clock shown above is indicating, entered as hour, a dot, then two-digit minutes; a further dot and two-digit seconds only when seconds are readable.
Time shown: 11.34
